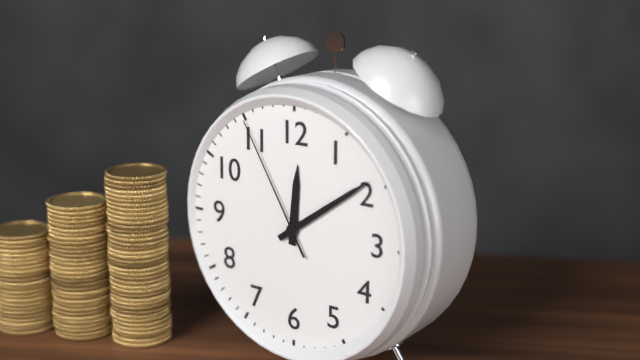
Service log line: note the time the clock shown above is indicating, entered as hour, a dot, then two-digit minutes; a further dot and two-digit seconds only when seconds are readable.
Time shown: 12.09.55
